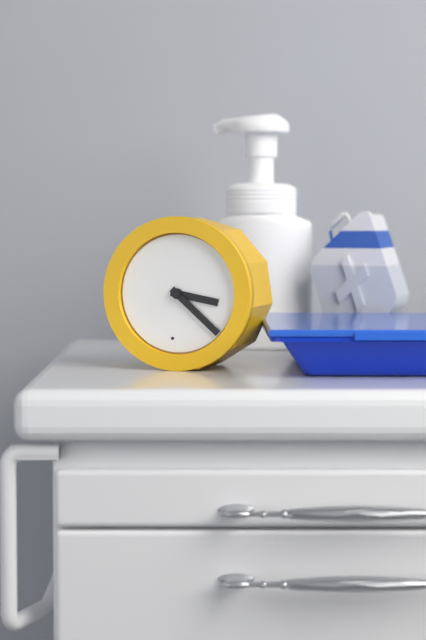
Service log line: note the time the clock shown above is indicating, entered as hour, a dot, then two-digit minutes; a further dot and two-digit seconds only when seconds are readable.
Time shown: 3.22
